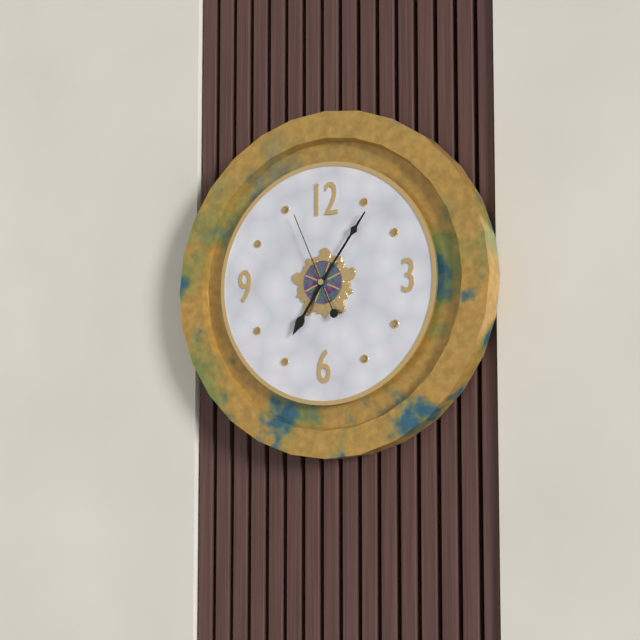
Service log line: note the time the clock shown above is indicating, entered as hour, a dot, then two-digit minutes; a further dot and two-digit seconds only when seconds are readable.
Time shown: 7.06.56
